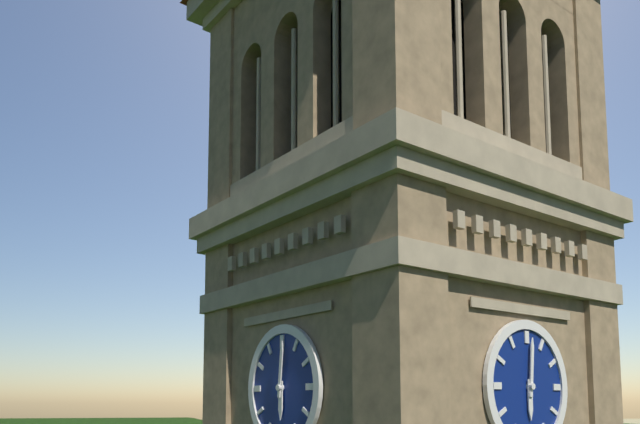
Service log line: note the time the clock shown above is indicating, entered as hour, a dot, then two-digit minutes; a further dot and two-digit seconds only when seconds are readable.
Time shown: 6.01
